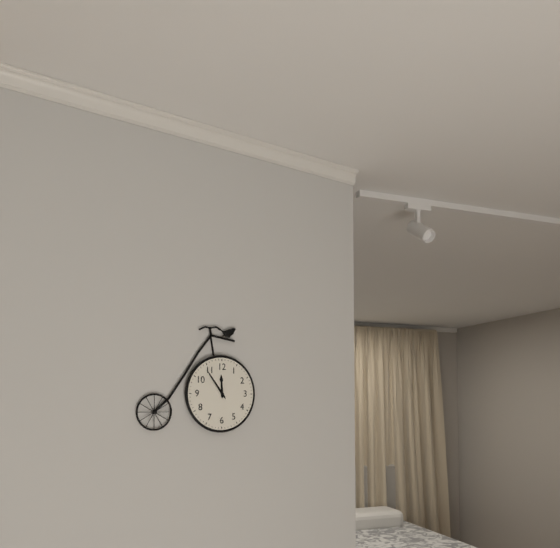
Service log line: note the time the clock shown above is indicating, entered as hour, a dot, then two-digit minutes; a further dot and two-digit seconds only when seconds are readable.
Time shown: 11.54
